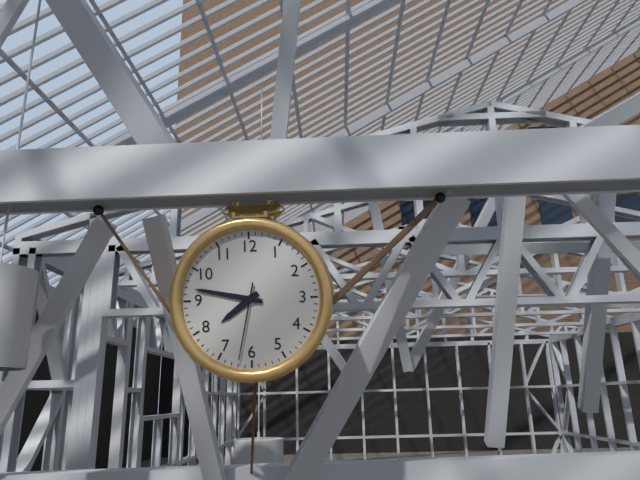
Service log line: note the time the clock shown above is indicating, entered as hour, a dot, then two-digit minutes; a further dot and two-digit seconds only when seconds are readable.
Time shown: 7.47.32
